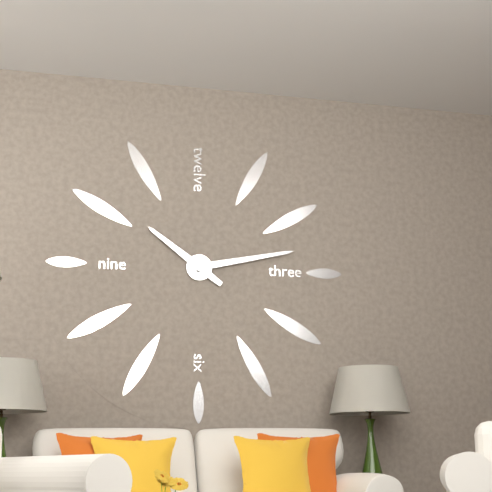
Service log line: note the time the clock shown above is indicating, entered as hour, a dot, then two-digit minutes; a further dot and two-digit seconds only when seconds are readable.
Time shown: 10.13
